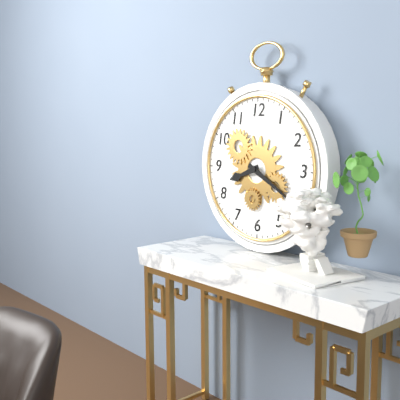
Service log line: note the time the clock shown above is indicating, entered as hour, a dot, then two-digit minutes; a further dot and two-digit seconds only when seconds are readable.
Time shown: 8.20
